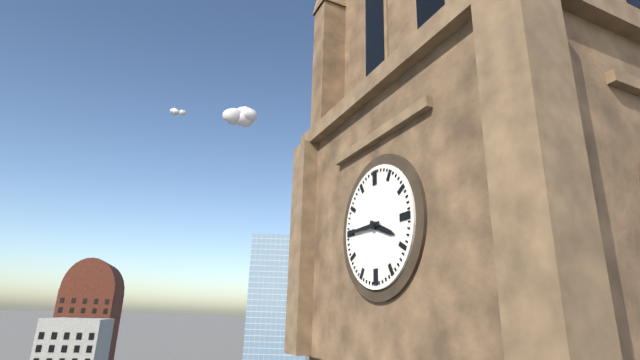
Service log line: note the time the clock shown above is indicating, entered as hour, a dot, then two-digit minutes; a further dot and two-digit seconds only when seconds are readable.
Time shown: 3.45
